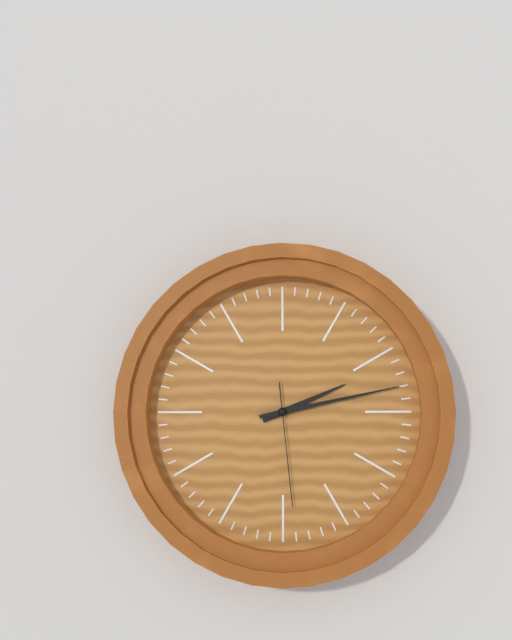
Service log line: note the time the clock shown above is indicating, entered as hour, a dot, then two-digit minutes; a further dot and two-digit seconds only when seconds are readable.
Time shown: 2.13.29
